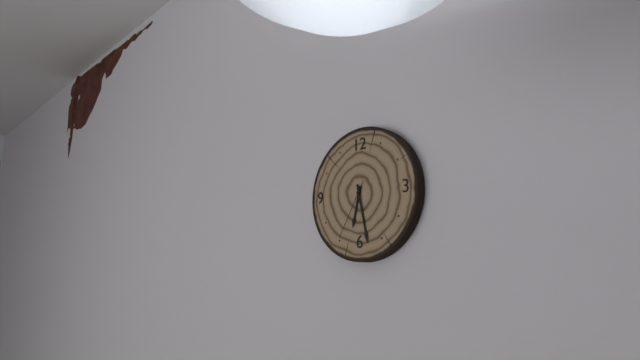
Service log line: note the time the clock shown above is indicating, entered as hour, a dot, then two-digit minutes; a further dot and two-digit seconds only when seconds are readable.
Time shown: 6.28.35
